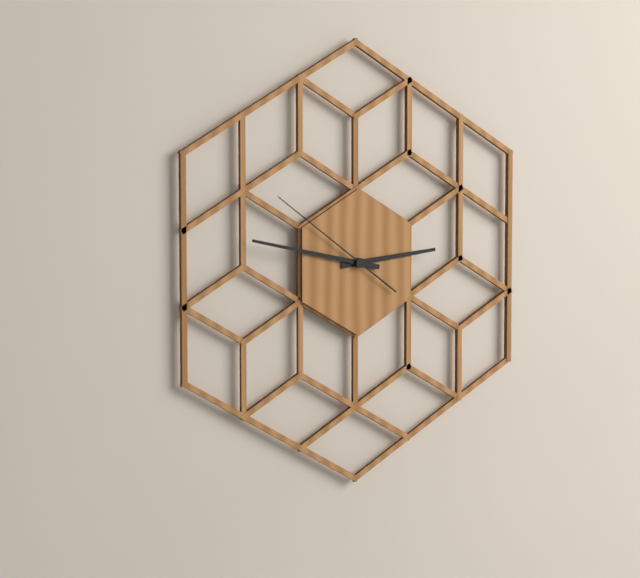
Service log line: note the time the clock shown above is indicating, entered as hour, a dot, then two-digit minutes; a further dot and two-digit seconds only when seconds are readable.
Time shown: 2.47.51
